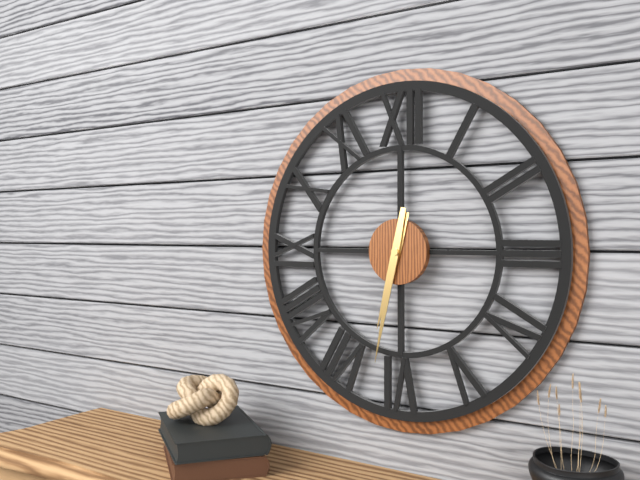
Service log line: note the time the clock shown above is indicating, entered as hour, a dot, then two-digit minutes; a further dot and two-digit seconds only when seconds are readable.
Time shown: 6.32
